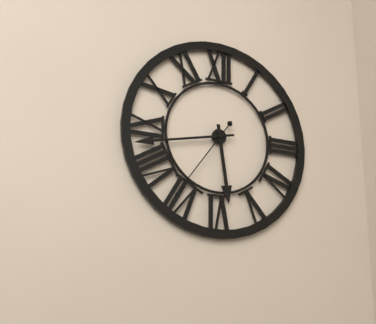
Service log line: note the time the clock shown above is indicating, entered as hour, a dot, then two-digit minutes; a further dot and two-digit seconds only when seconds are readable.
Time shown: 5.43.36
